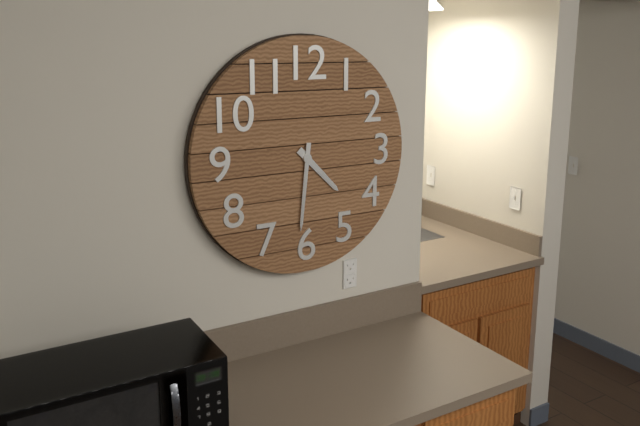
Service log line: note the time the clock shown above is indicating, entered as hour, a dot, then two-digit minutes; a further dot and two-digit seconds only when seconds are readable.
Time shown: 4.31
